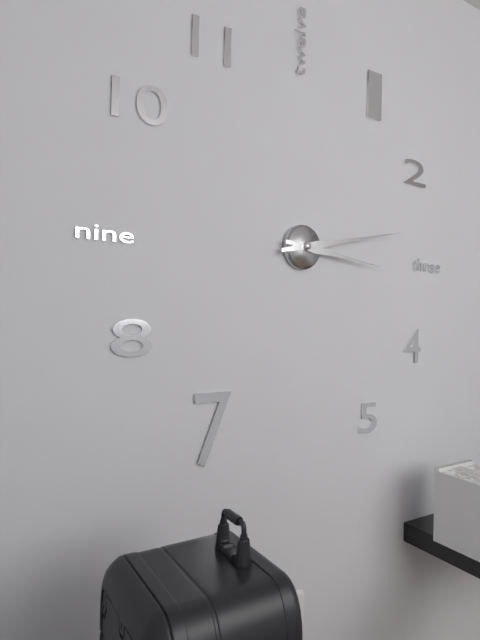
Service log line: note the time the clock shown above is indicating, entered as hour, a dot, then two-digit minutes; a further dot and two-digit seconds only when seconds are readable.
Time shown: 3.13
